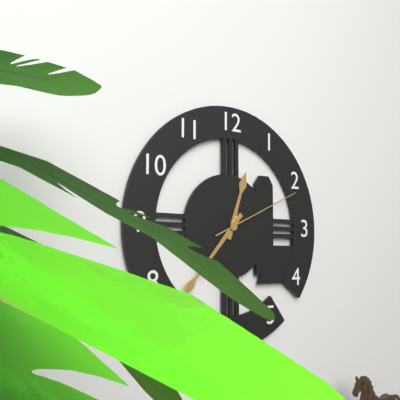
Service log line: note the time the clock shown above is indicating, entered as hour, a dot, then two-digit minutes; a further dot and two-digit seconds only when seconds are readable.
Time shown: 12.37.11
